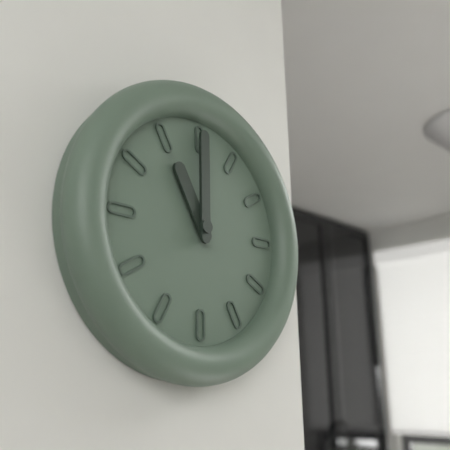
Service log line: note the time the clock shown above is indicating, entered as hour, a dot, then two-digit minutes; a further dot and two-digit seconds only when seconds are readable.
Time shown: 11.00
